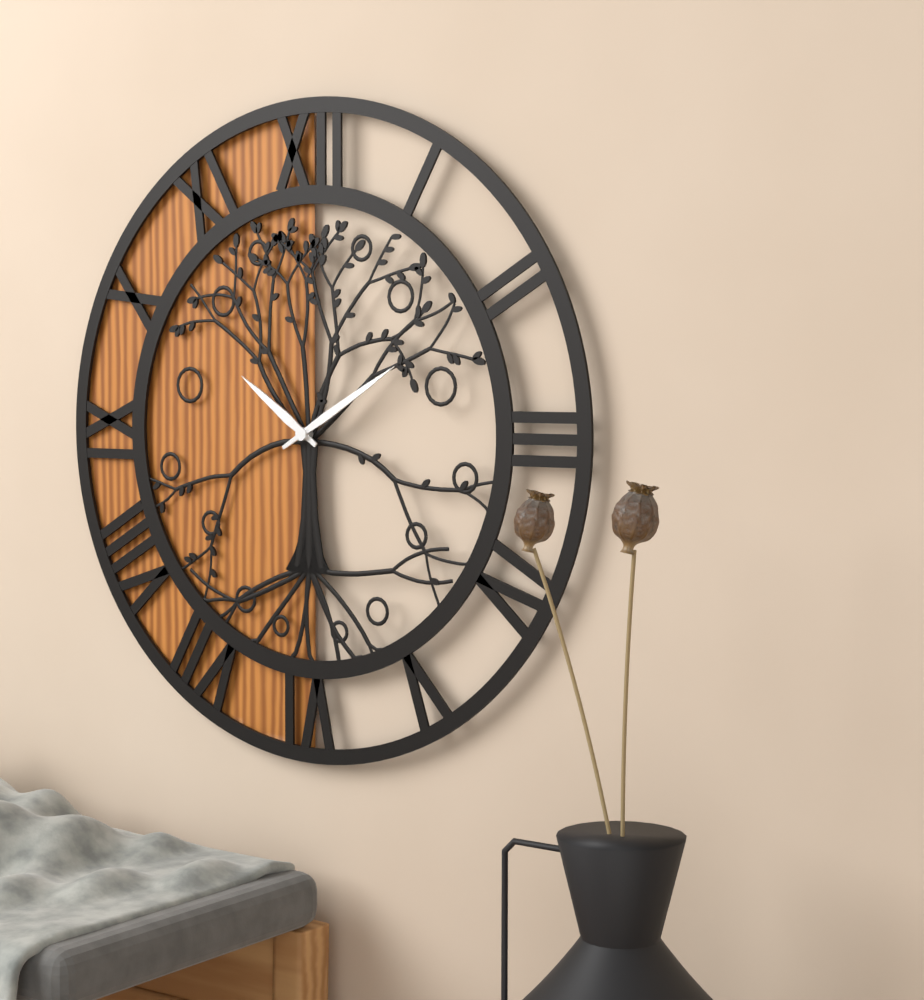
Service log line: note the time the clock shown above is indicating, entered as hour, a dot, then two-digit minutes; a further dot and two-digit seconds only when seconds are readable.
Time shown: 10.10
